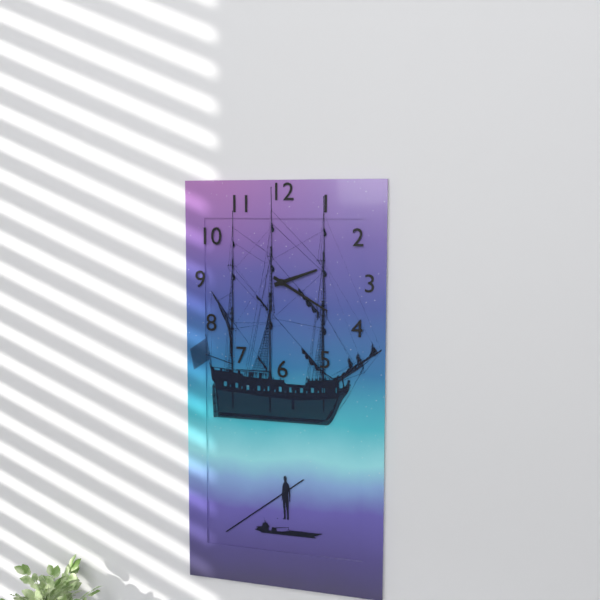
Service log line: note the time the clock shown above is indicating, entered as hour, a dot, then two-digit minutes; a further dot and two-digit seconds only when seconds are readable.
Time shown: 2.20
